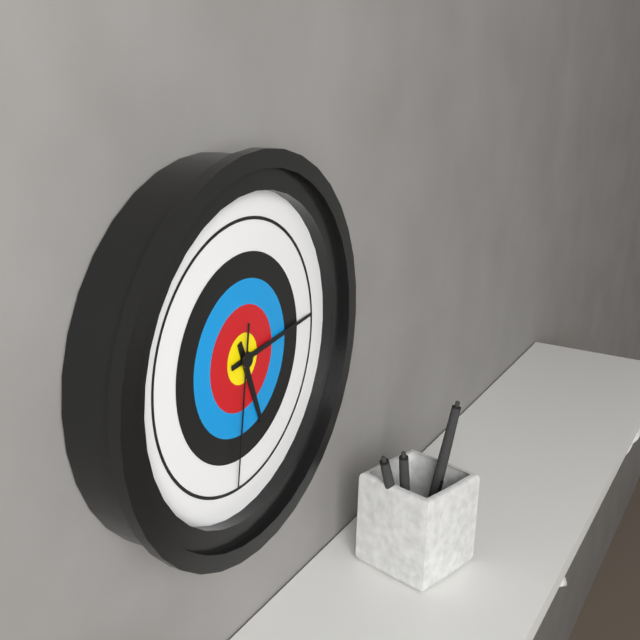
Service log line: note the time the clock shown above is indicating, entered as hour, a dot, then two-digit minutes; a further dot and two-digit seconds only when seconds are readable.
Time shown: 5.14.31
